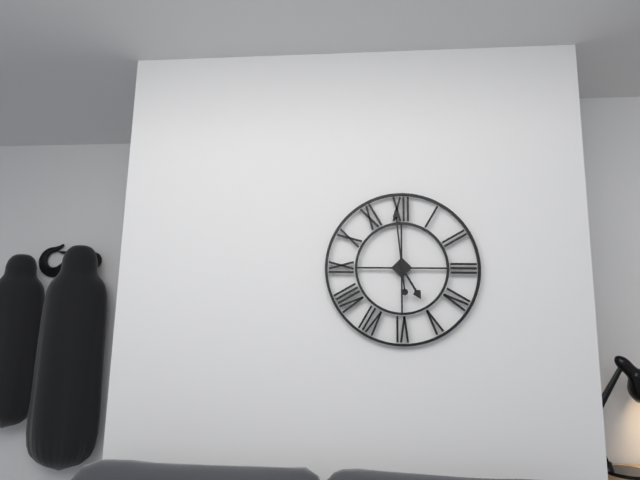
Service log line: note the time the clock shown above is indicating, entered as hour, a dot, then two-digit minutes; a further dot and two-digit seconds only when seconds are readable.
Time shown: 4.59
